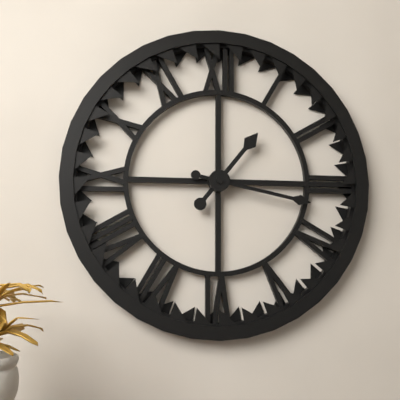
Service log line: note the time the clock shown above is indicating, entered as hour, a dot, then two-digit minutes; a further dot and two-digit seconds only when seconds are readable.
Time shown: 1.17
